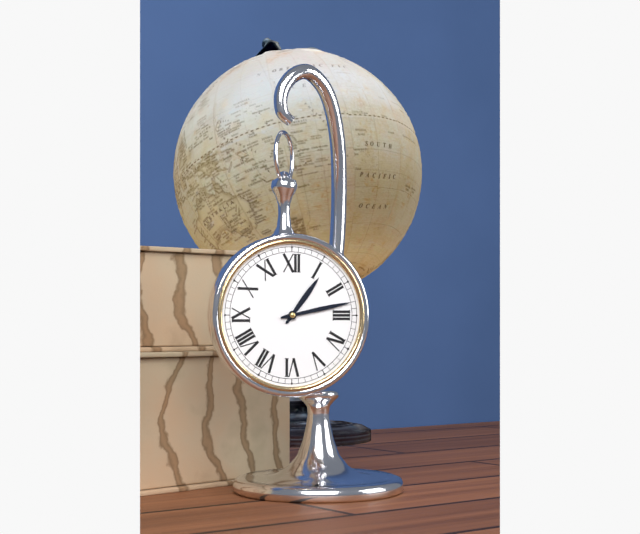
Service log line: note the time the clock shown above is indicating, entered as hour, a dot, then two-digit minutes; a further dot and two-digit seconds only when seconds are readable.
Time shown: 1.13
